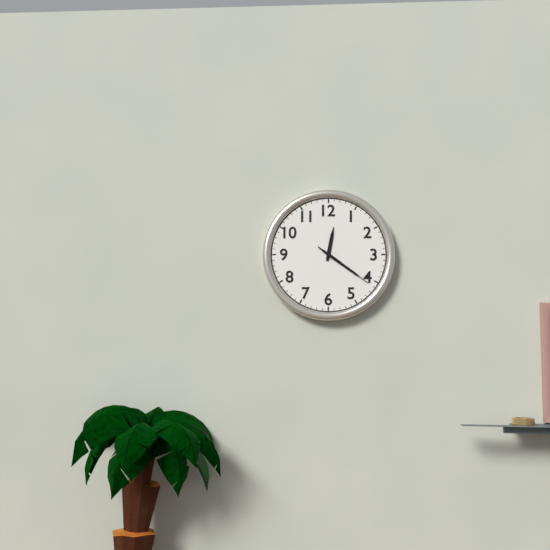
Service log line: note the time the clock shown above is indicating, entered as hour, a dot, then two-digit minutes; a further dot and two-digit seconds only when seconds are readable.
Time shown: 12.21.21
